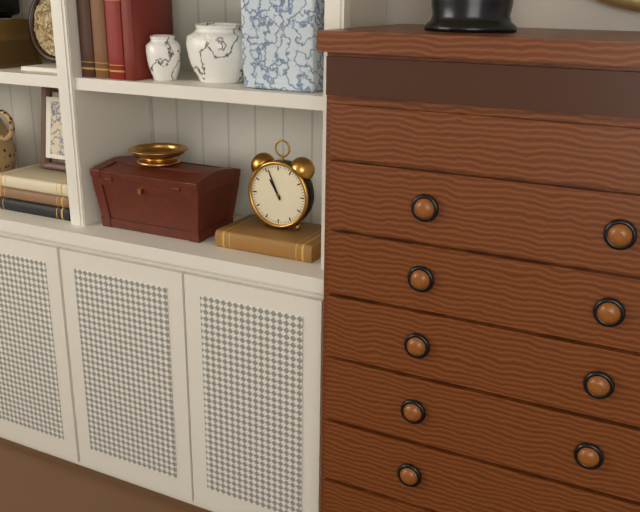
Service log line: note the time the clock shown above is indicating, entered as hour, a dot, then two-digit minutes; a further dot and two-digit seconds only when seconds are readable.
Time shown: 10.56
